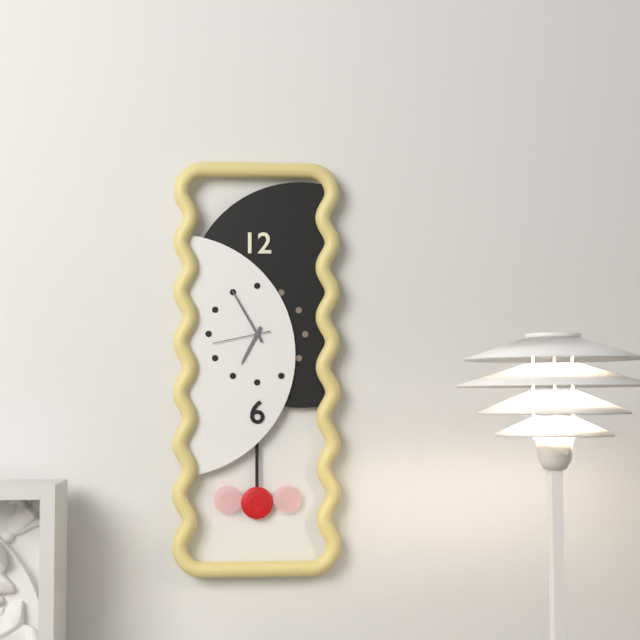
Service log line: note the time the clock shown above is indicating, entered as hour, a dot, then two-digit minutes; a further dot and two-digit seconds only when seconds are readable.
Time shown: 6.55.43
